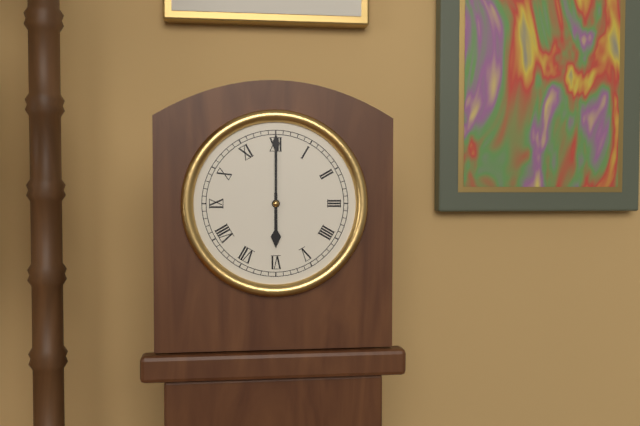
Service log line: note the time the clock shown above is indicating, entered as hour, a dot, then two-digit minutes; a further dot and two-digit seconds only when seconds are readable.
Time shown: 6.00
